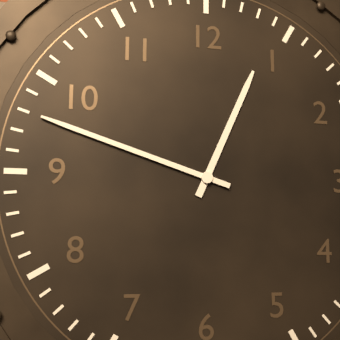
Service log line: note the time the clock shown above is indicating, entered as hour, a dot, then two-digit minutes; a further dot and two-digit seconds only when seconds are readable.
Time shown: 12.48
